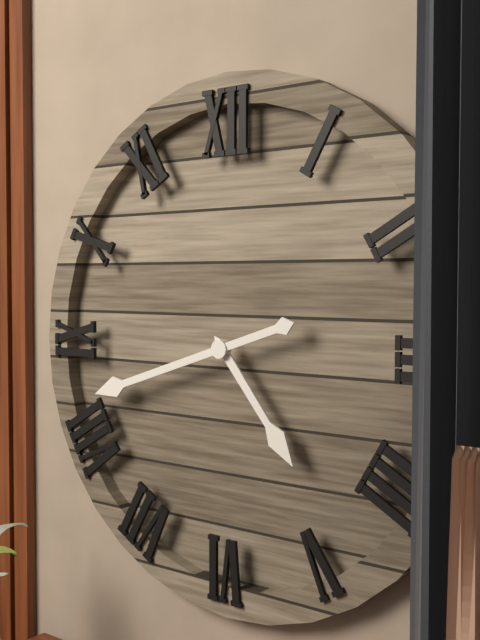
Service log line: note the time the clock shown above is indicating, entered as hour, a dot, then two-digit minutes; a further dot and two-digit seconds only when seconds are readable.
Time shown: 4.42
